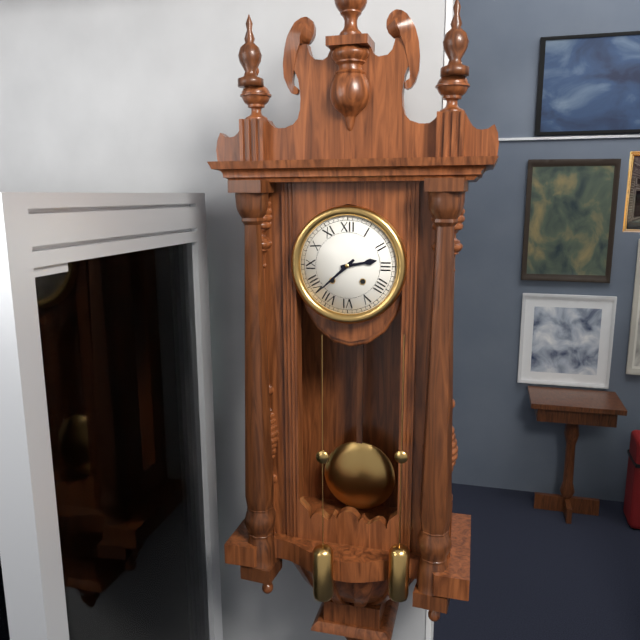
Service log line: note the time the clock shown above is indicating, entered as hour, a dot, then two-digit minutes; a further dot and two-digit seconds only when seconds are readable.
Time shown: 2.38
